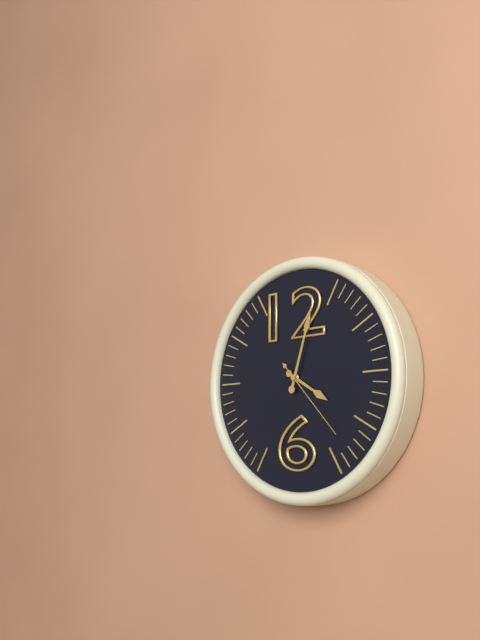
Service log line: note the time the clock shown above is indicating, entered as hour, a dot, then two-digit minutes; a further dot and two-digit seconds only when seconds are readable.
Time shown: 4.03.23
